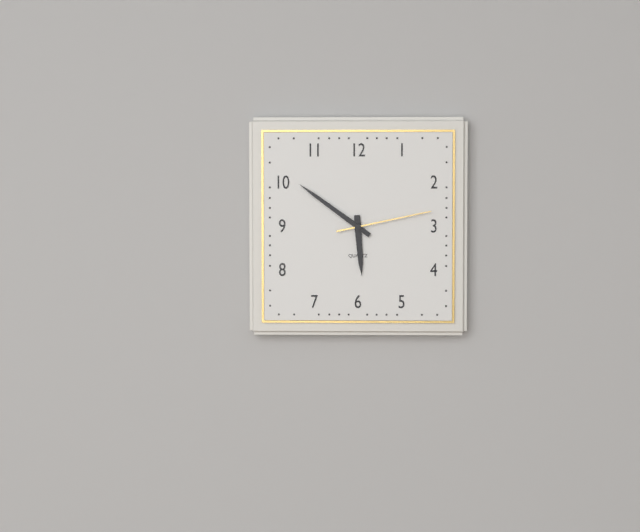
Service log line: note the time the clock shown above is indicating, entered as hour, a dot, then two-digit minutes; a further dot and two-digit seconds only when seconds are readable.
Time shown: 5.51.13
